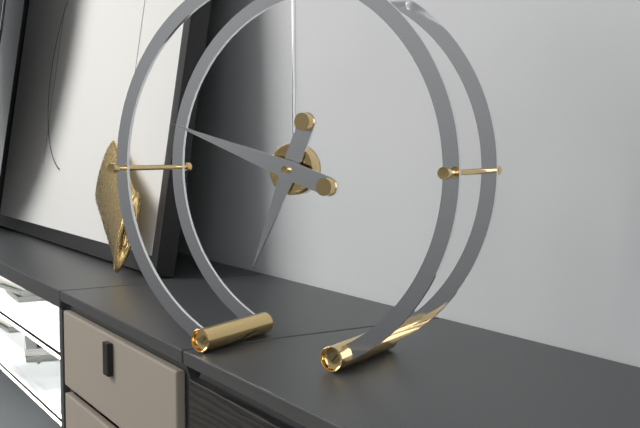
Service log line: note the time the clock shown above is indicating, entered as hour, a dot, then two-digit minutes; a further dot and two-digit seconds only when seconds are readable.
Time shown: 6.48
